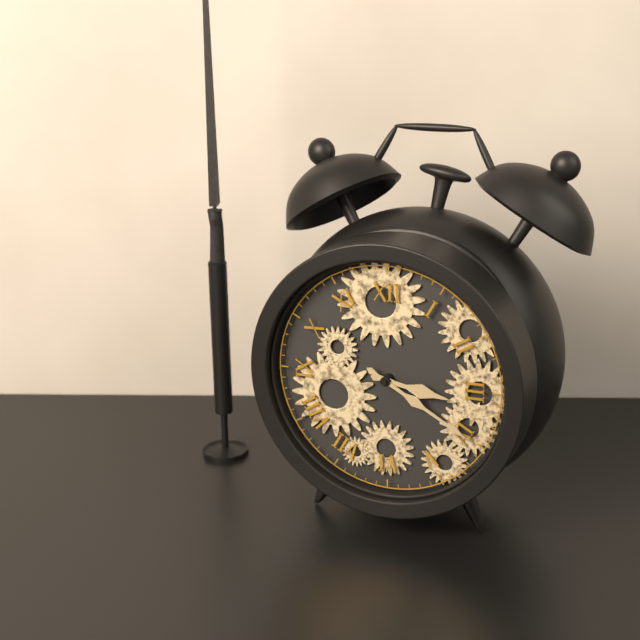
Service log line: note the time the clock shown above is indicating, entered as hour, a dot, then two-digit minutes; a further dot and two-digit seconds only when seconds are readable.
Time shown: 3.20
